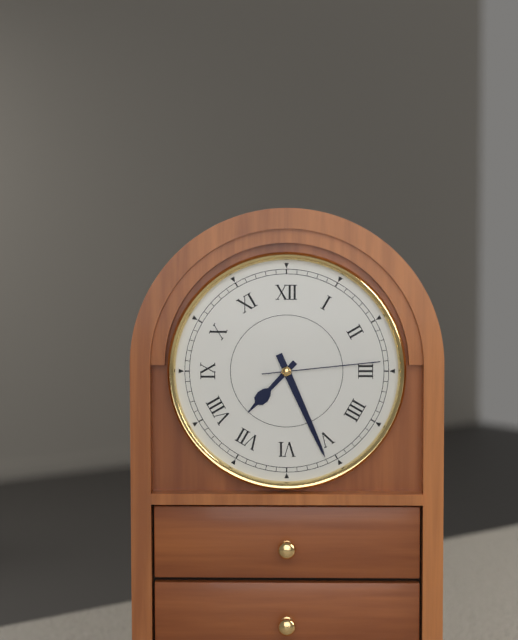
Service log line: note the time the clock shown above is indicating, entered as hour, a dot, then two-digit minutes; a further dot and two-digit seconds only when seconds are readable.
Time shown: 7.26.14
